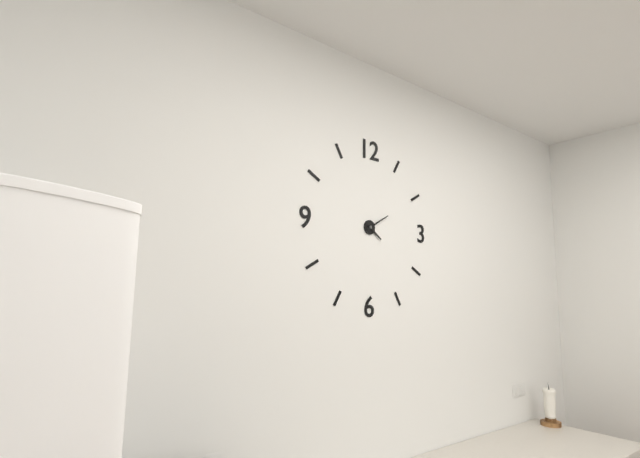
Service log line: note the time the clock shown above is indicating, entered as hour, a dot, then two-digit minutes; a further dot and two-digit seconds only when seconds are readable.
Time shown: 4.10
